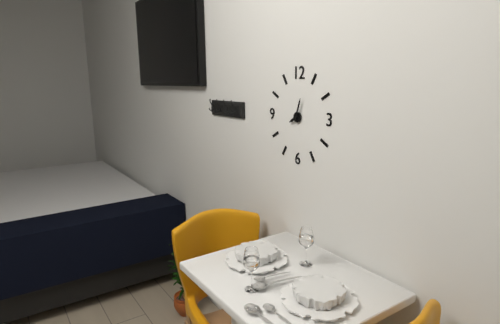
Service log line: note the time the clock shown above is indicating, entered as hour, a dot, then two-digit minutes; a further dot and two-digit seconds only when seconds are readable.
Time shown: 8.03
